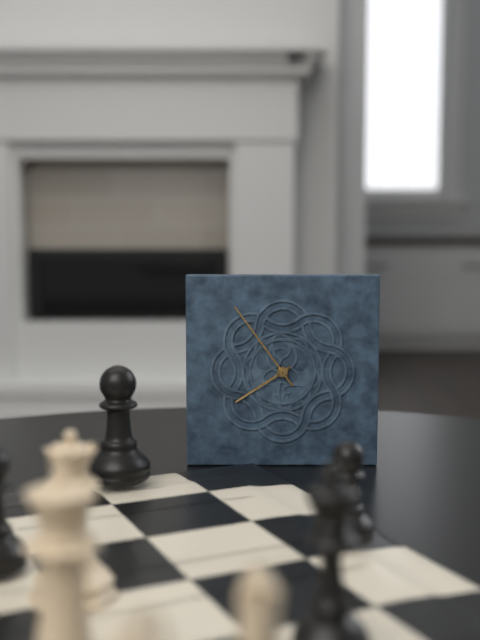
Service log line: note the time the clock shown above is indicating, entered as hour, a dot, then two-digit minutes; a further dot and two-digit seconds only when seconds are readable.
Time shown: 7.54
